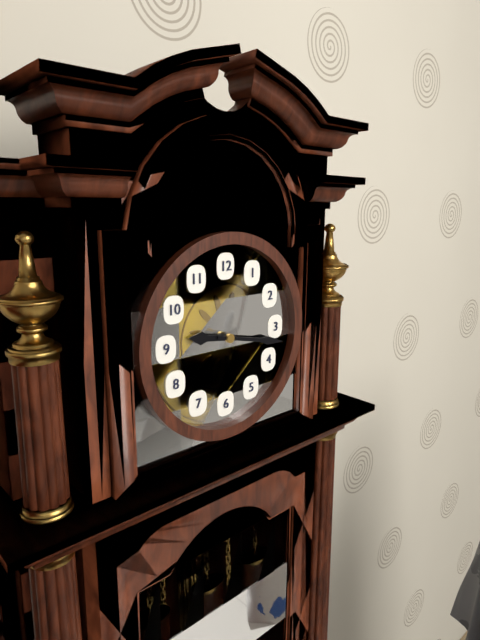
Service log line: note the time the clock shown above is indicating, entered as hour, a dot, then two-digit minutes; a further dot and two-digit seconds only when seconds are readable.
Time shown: 9.17
